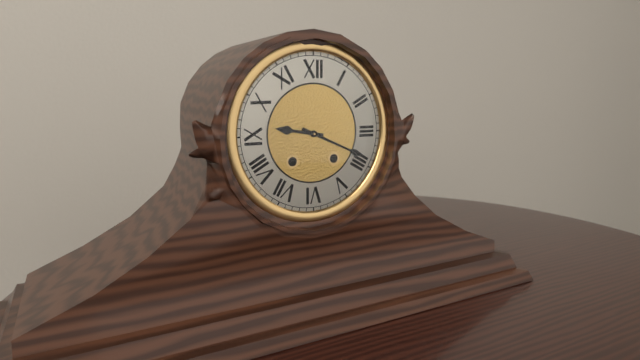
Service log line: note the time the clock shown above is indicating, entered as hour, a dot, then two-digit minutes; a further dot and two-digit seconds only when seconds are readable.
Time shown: 9.19
